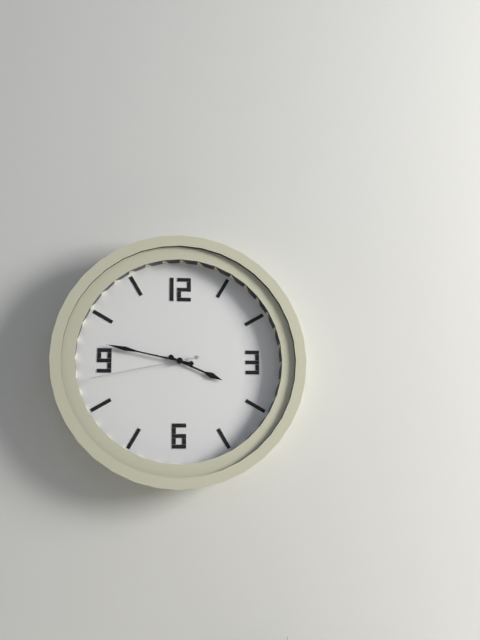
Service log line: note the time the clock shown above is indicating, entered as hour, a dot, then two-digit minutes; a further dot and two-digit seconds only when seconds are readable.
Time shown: 3.47.43
